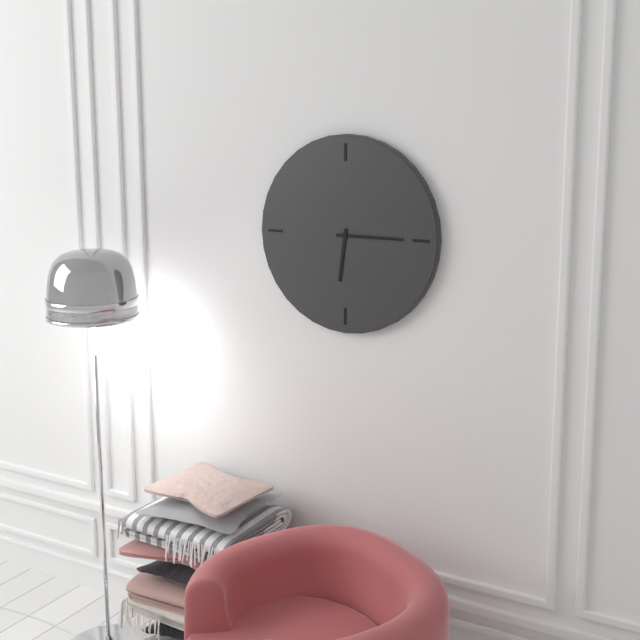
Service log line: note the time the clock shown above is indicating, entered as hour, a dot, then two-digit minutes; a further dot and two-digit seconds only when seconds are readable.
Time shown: 6.15
